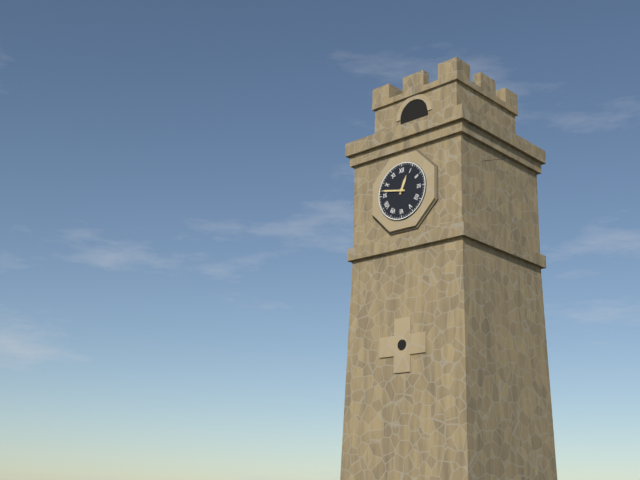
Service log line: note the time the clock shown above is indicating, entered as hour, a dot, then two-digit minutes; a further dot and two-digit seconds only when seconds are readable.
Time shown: 12.47
